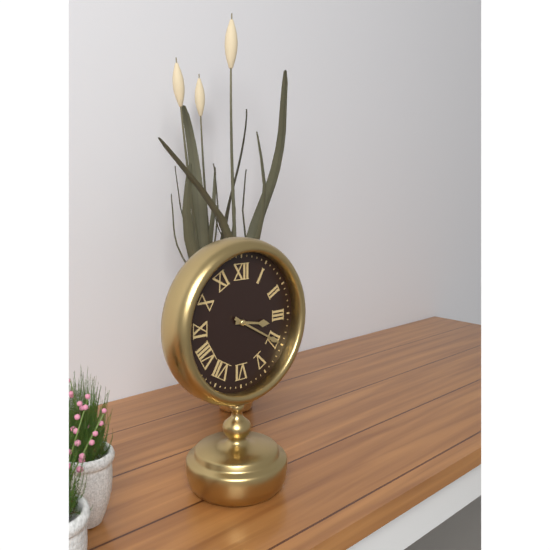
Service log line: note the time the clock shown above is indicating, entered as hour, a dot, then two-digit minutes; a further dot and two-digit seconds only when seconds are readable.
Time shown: 3.20
